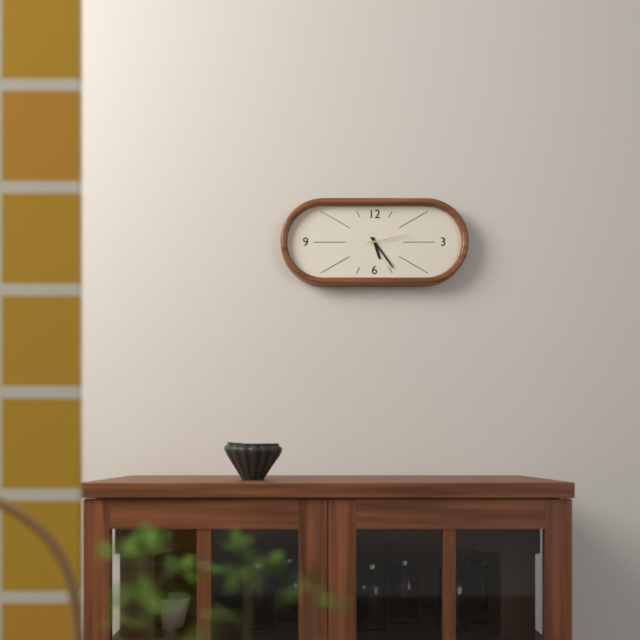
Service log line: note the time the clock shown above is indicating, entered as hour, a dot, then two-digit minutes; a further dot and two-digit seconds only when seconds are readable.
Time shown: 5.24
